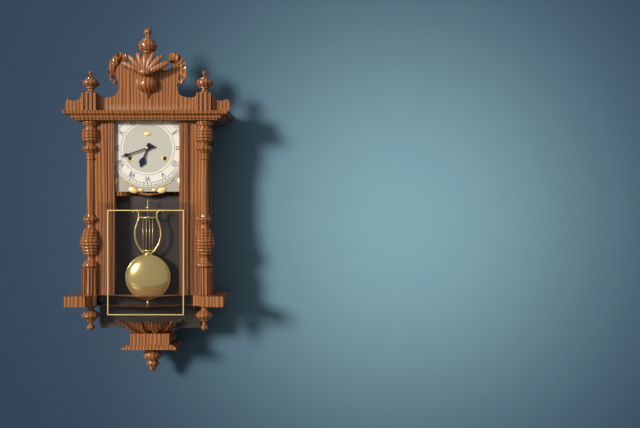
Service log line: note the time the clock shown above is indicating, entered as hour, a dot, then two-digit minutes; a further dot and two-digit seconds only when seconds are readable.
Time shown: 6.42
